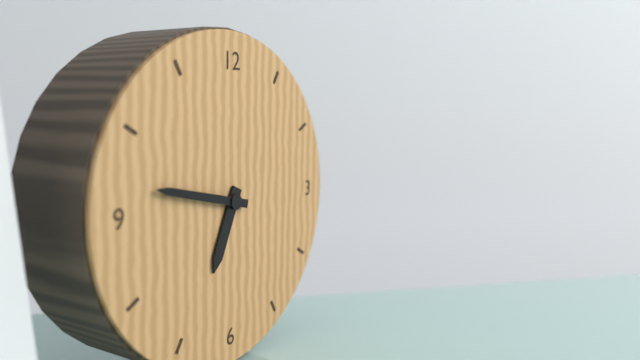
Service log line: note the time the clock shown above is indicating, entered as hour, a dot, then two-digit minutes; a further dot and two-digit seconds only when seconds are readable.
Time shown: 6.47
